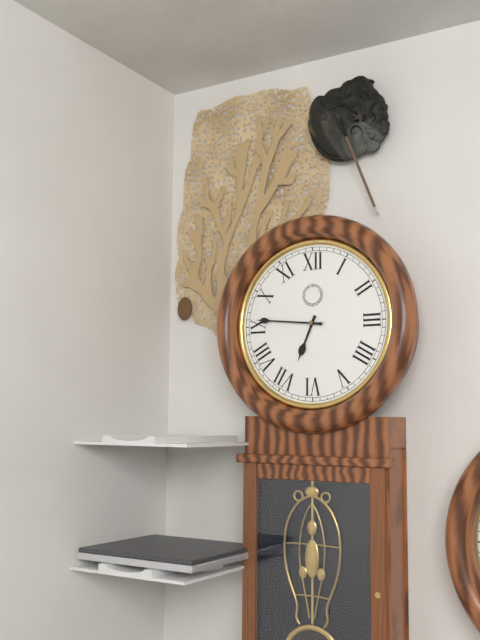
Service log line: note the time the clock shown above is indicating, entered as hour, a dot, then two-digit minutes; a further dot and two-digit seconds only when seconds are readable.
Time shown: 6.46
